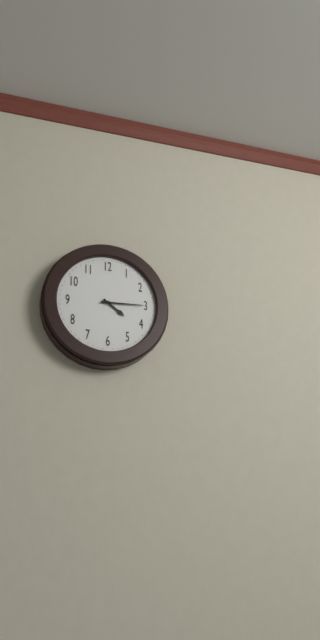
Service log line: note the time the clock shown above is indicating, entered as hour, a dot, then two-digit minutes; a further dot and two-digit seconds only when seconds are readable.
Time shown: 4.15
